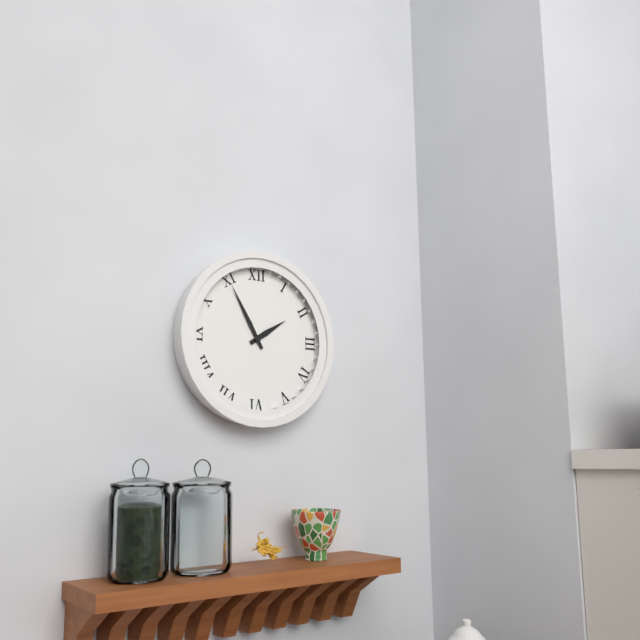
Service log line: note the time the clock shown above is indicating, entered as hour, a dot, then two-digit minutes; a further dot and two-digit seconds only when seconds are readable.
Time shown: 1.55
